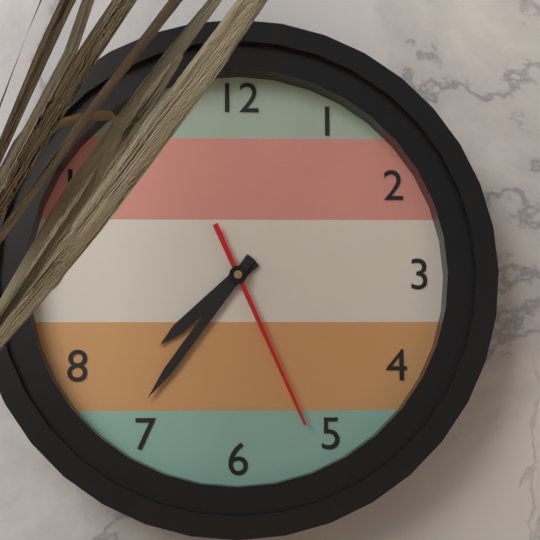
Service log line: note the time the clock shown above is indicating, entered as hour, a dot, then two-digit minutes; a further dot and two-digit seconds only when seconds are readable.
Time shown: 7.36.26
